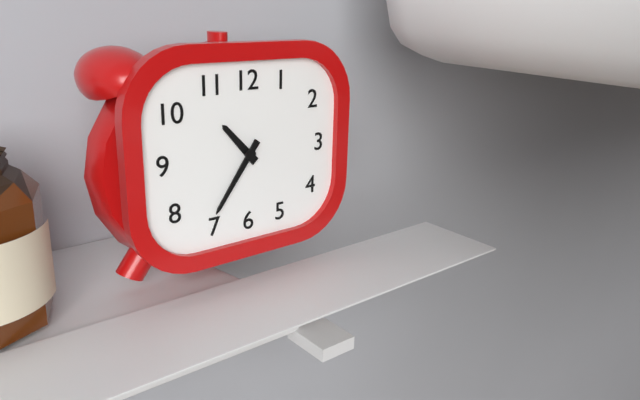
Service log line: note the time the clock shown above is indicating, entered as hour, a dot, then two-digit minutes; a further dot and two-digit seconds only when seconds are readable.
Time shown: 10.36
